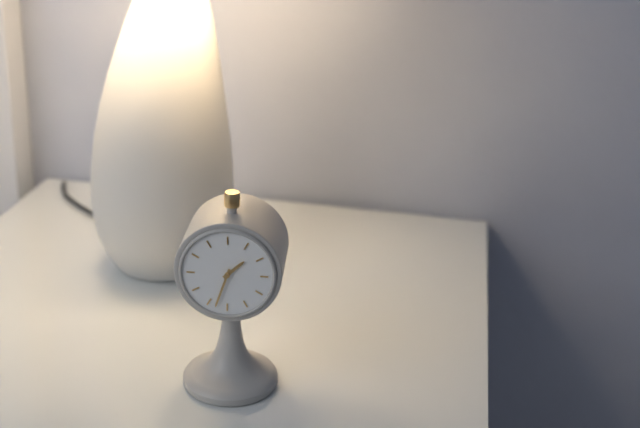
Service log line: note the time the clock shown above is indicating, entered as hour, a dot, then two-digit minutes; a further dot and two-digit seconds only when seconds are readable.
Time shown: 1.33
